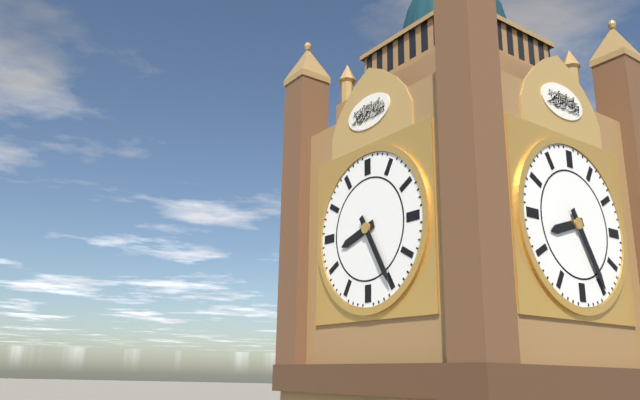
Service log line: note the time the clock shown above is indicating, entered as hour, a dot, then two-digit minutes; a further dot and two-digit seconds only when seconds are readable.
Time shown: 8.25
